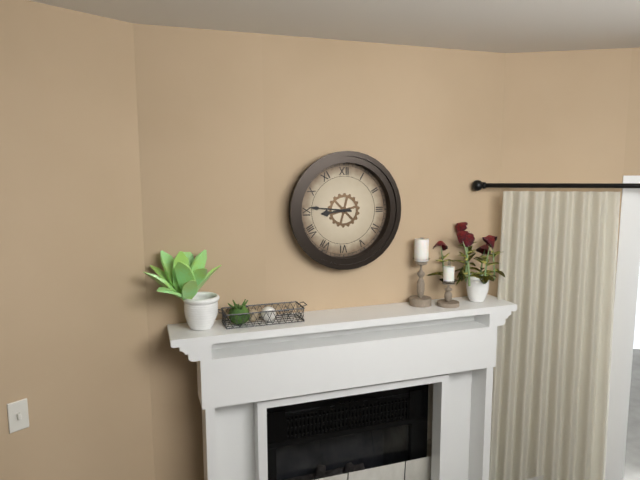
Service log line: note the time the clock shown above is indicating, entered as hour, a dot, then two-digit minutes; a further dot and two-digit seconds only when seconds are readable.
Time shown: 8.46
